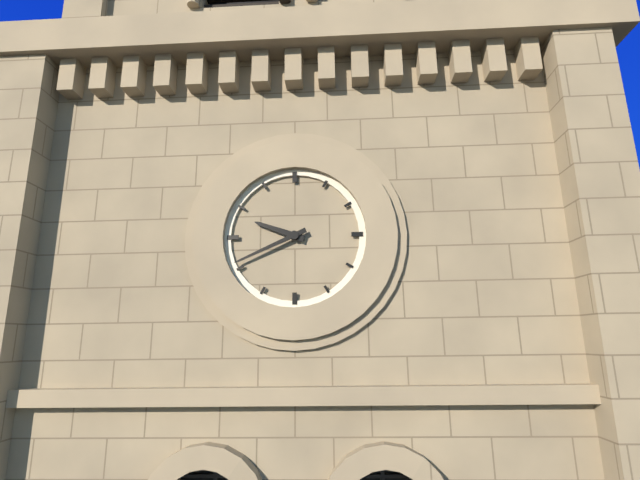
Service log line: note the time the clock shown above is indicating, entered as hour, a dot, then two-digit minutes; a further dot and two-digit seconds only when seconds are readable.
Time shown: 9.41
